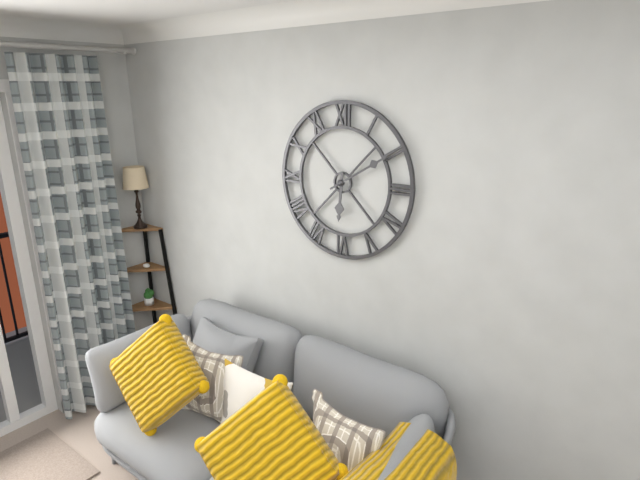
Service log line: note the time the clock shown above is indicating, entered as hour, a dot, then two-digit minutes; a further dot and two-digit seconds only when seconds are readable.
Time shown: 6.10
